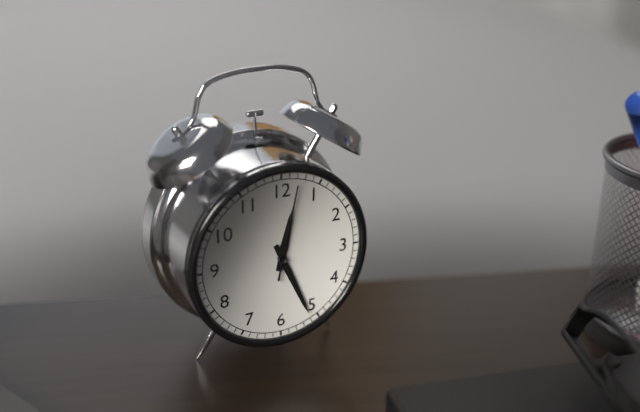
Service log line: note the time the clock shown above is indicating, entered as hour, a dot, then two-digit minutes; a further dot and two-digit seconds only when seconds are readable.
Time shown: 12.26.02
